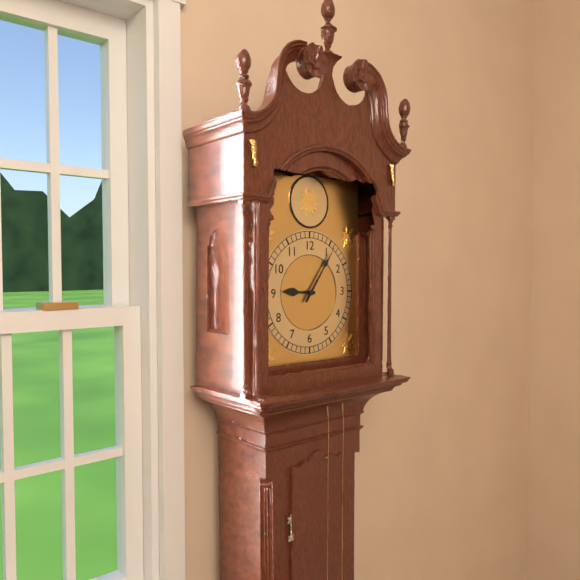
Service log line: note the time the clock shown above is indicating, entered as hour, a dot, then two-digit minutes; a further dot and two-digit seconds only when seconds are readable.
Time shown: 9.06
